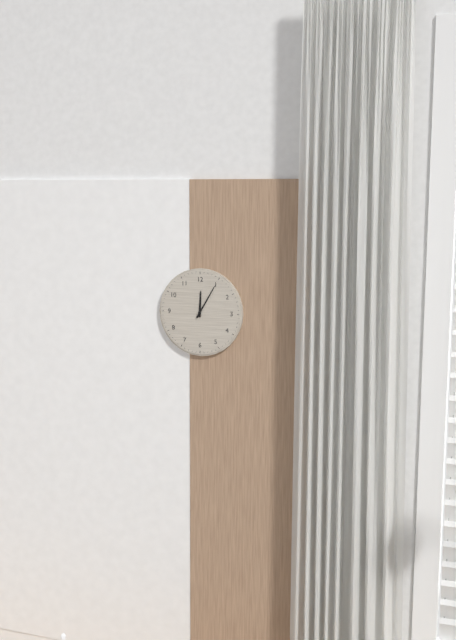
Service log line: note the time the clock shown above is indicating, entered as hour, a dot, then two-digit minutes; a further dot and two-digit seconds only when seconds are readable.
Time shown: 12.05
